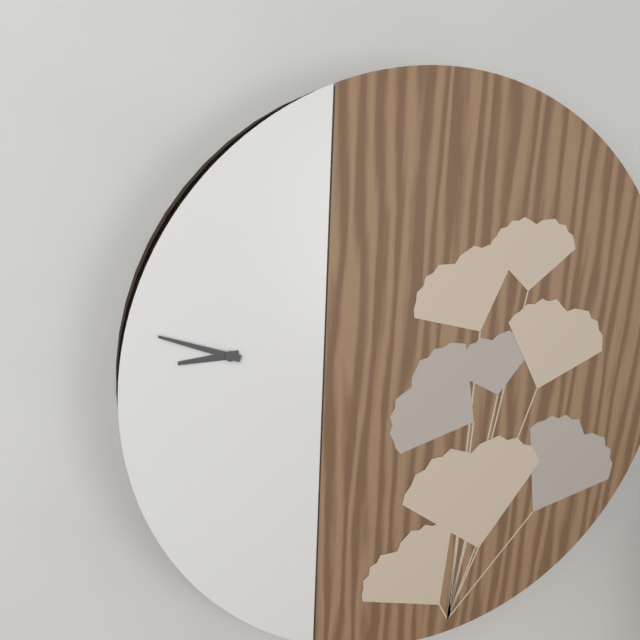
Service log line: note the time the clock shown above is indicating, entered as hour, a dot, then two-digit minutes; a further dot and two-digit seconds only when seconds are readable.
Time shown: 8.48
